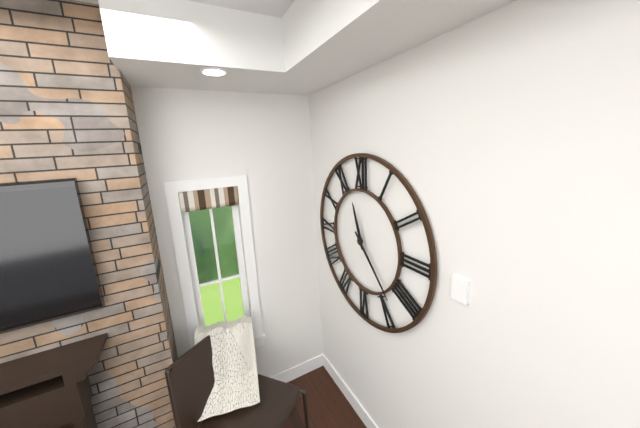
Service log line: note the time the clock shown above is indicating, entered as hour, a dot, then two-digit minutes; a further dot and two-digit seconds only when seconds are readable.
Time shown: 11.23
